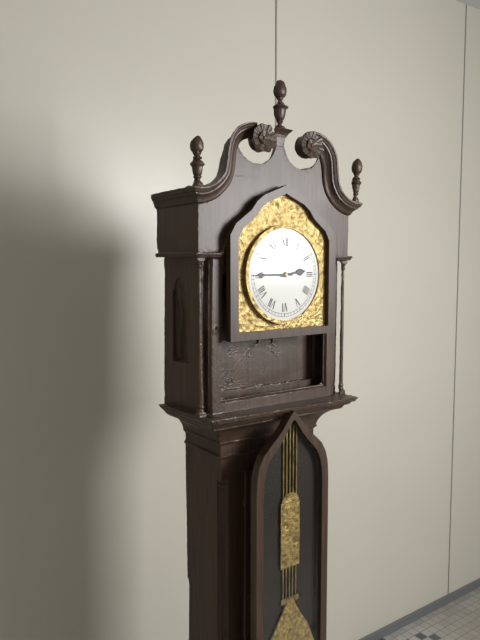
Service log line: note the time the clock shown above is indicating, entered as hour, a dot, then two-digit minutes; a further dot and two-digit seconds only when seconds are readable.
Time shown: 2.45
